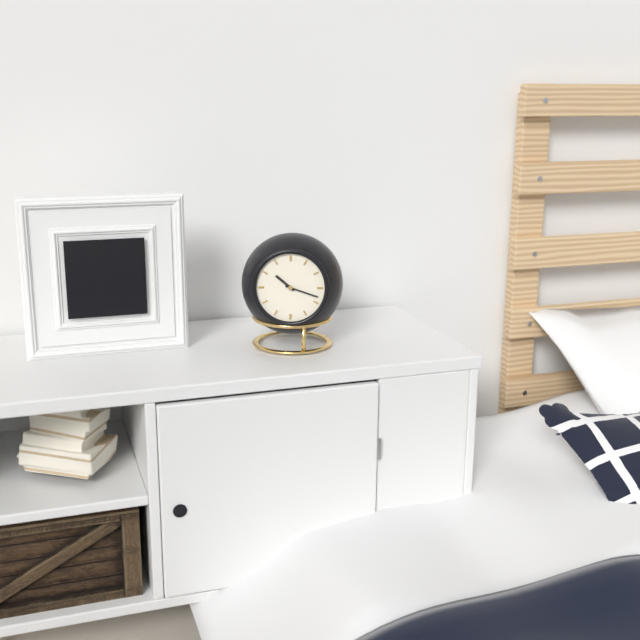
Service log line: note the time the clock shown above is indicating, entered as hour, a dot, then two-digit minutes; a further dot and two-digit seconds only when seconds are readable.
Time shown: 10.18
